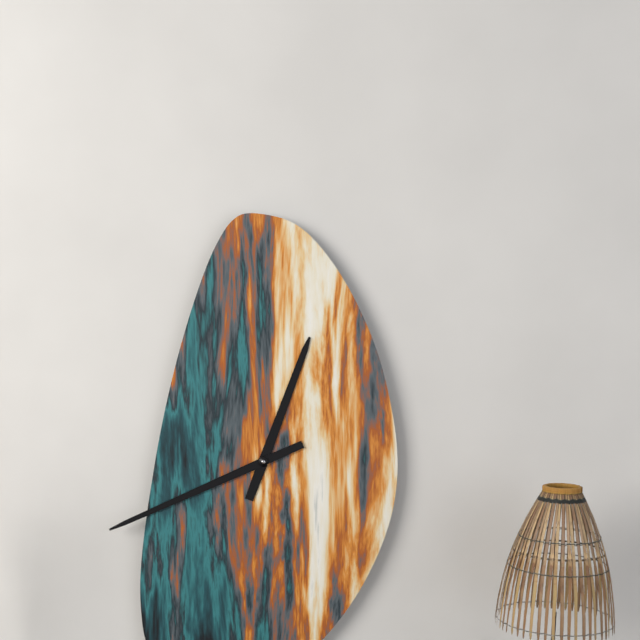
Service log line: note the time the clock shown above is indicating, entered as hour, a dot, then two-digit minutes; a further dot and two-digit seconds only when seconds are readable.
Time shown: 12.41
